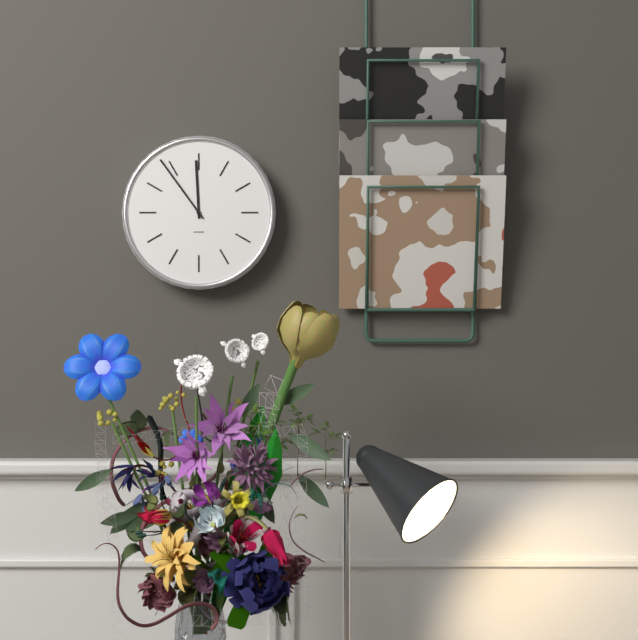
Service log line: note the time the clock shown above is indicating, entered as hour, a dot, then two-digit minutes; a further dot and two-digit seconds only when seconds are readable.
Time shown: 11.54
